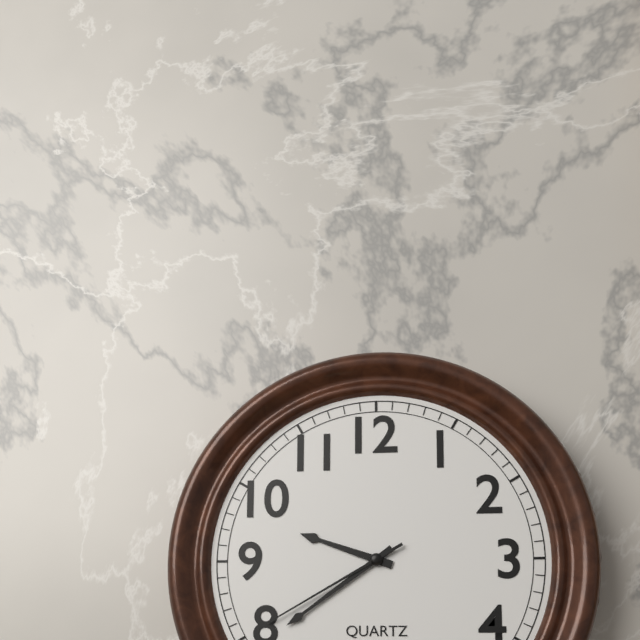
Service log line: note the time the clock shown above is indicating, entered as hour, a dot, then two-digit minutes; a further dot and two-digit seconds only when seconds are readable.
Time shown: 9.39.40
